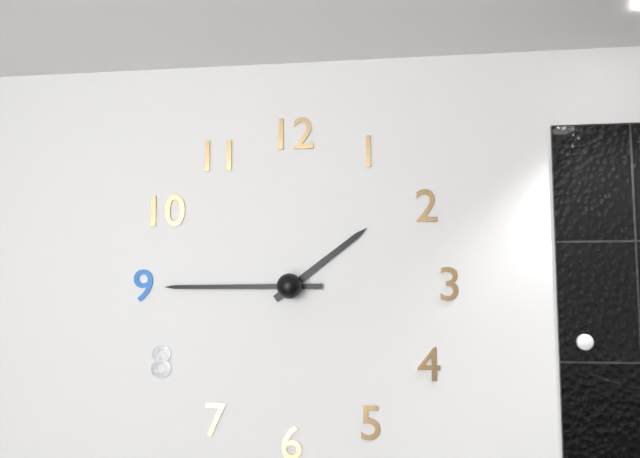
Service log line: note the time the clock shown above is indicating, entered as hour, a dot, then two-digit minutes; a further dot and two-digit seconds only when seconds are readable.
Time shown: 1.45
